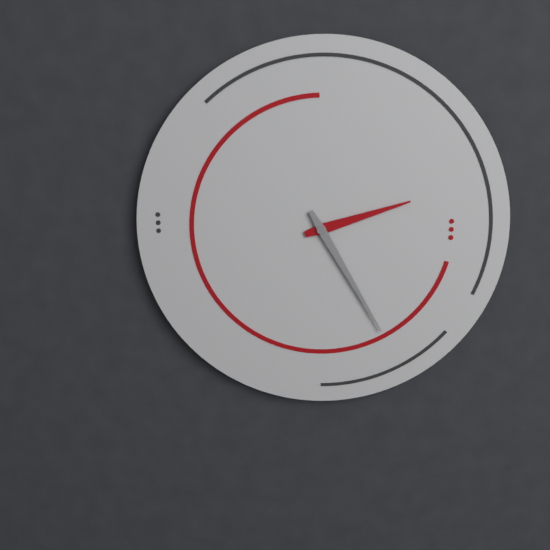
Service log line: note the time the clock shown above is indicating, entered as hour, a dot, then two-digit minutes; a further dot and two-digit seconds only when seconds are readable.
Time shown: 2.25
